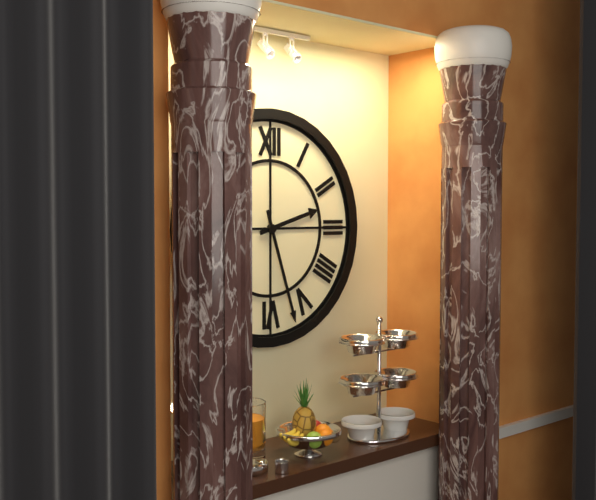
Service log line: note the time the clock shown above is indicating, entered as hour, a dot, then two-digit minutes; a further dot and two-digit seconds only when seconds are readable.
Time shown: 2.27
